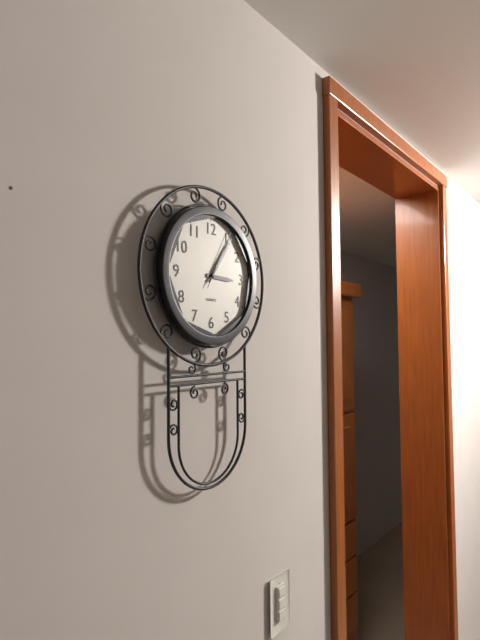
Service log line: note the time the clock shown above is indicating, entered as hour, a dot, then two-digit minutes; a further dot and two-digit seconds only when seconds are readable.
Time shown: 3.06.05
